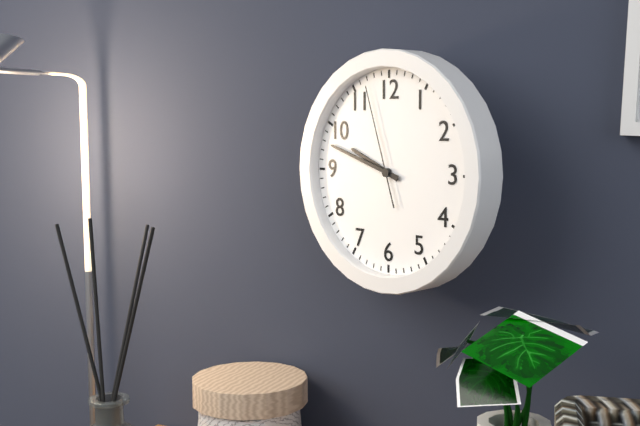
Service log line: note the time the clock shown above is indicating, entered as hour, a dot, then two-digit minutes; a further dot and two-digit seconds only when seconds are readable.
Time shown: 9.48.57
